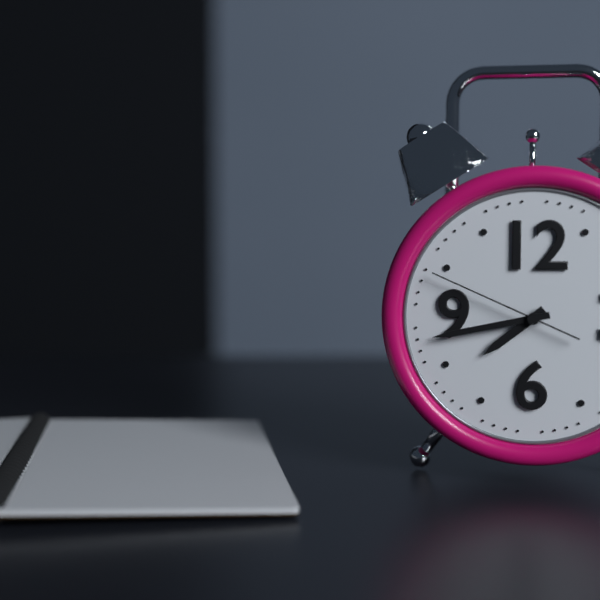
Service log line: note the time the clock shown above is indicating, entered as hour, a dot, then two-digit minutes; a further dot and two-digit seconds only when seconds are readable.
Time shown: 7.43.49
